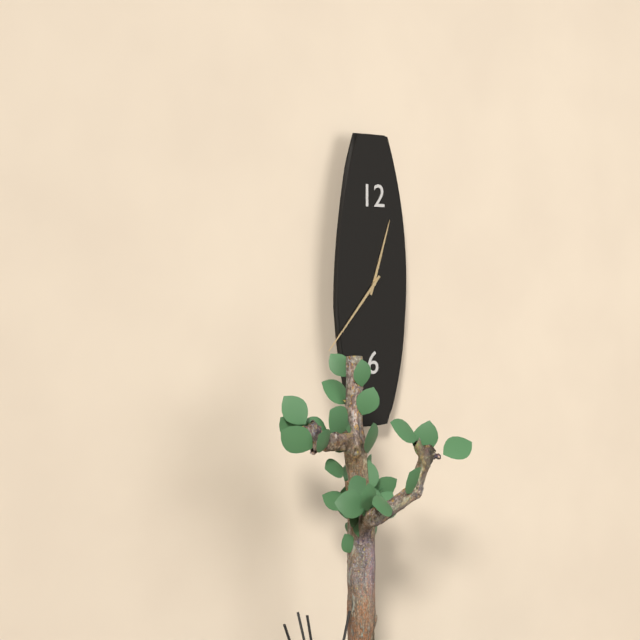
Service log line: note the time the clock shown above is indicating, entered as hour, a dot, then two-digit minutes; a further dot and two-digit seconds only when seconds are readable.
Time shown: 12.37
